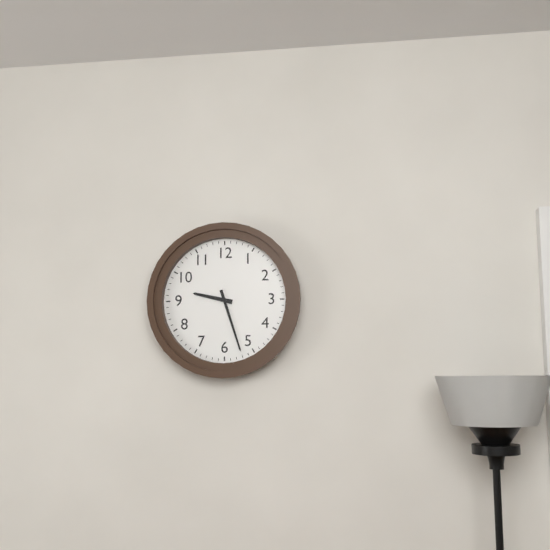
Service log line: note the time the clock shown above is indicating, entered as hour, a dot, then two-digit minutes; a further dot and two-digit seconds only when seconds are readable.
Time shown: 9.27
